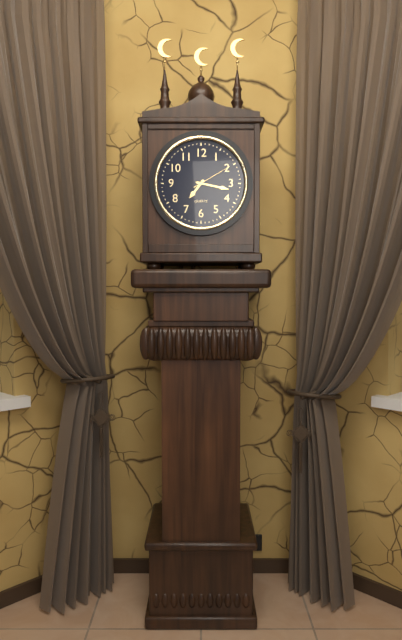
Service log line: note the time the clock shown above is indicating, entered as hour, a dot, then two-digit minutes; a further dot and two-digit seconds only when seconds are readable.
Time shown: 7.17
